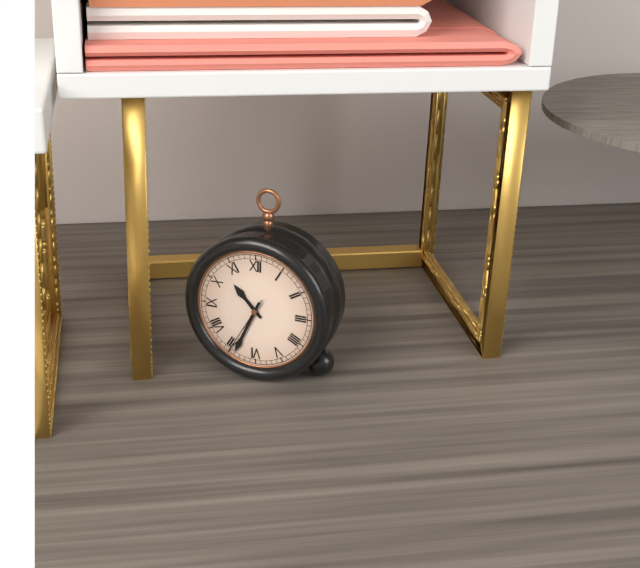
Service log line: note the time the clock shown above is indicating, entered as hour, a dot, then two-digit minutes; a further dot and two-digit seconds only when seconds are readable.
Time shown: 10.34.35
